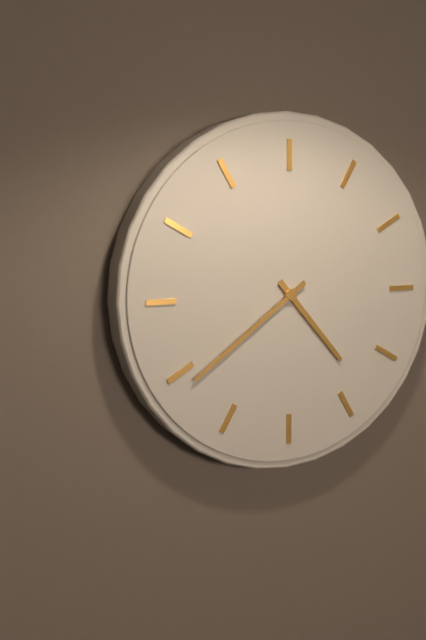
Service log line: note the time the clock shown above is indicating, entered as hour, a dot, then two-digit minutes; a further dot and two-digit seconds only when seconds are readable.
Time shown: 4.39
